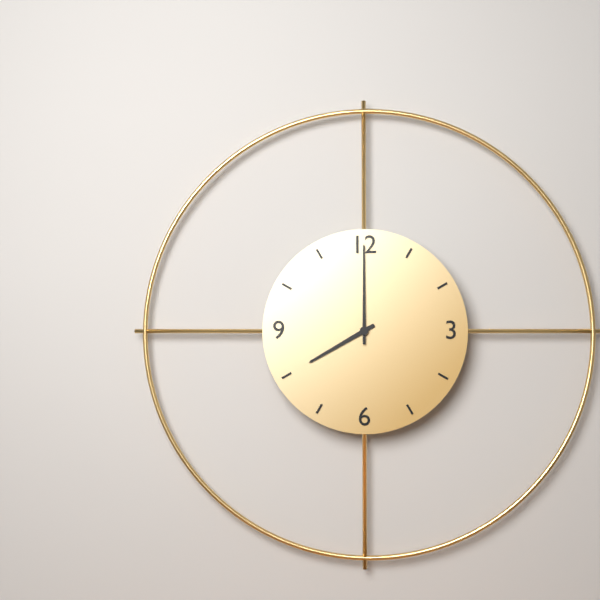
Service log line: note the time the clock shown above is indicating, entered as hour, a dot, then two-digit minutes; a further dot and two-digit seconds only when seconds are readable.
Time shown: 8.00
